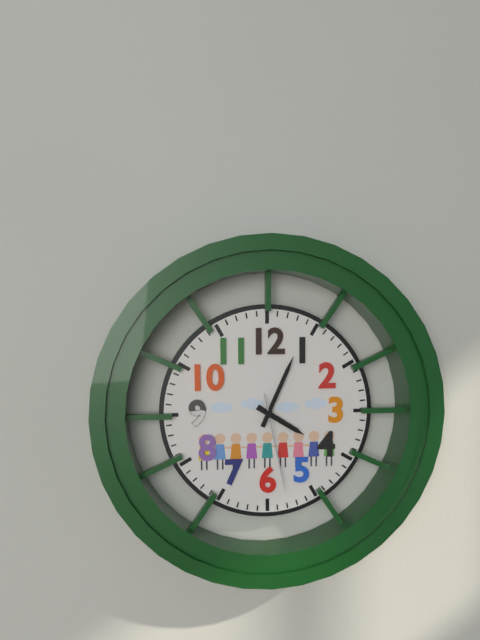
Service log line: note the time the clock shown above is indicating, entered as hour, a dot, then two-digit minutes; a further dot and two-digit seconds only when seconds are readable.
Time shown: 4.04.28
